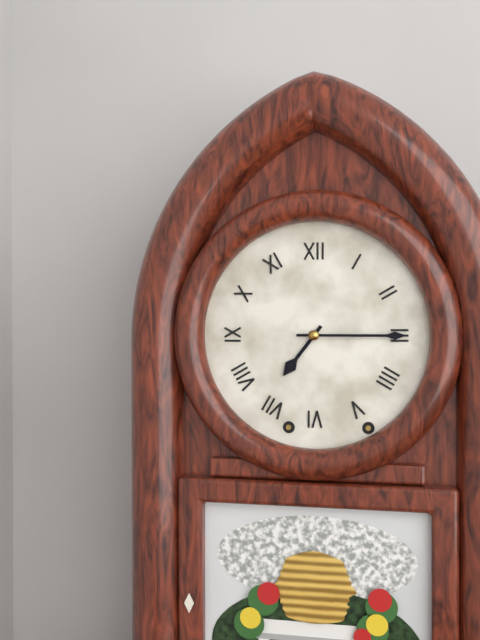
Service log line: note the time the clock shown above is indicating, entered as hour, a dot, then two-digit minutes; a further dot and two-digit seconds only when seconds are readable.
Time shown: 7.15
